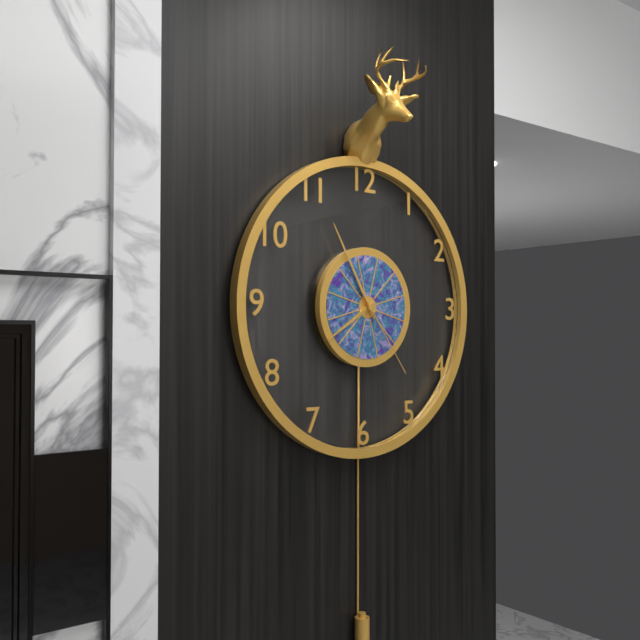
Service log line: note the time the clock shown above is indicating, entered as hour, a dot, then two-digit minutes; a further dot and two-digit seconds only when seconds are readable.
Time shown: 7.55.24
